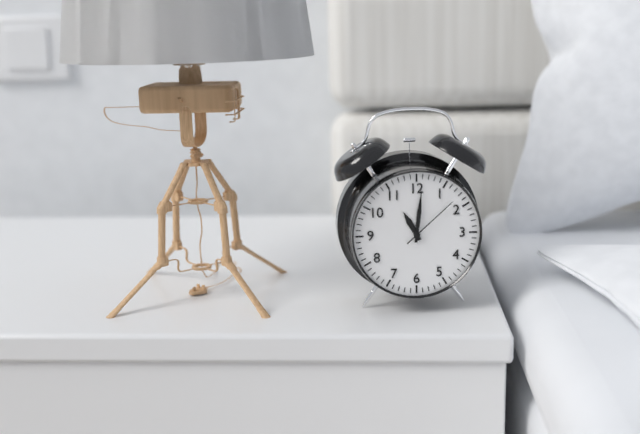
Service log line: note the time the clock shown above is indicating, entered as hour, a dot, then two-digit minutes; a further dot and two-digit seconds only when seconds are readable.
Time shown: 11.01.08
